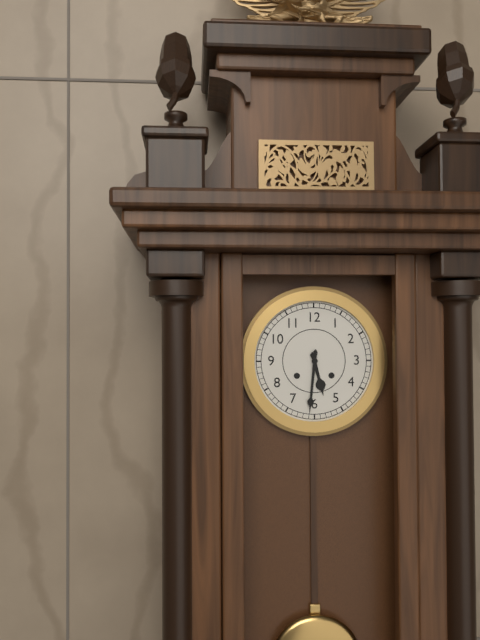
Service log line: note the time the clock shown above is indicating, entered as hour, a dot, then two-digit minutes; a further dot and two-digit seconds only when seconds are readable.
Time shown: 5.31
